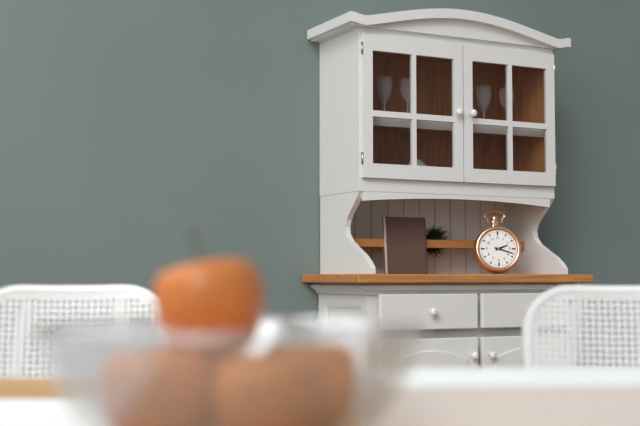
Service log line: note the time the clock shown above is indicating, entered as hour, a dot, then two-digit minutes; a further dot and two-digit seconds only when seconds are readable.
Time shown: 2.18
